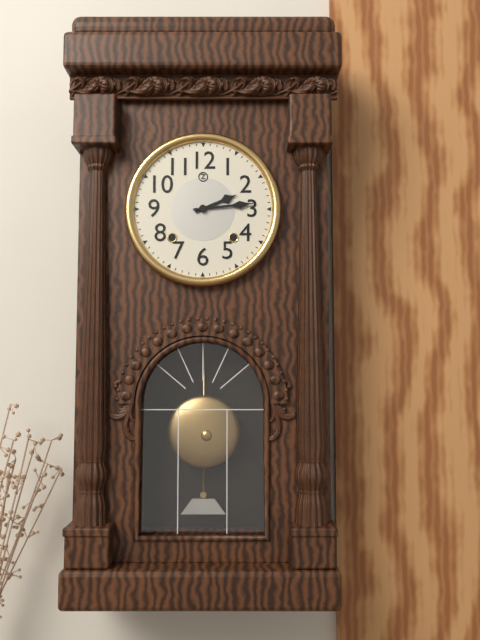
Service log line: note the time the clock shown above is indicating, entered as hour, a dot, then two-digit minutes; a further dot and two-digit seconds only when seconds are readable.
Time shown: 2.14
